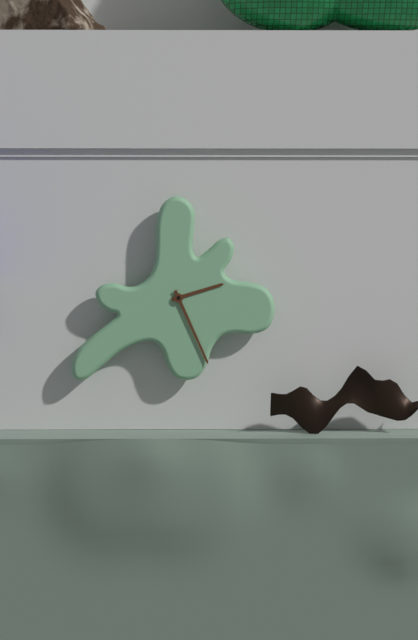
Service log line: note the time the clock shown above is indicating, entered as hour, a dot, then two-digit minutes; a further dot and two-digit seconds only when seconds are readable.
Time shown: 2.26
